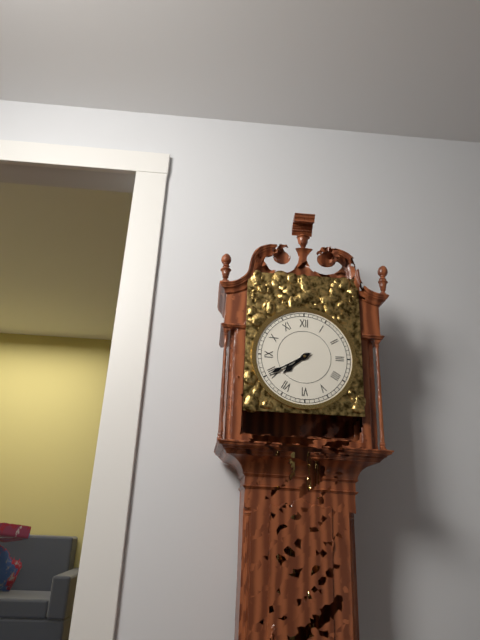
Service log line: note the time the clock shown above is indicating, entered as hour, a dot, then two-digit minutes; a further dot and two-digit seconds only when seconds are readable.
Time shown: 7.40
